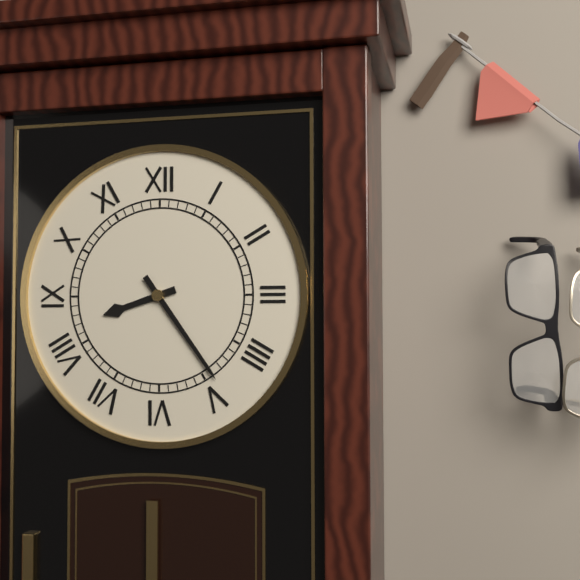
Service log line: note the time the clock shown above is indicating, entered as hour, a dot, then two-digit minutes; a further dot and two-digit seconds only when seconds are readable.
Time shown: 8.24
